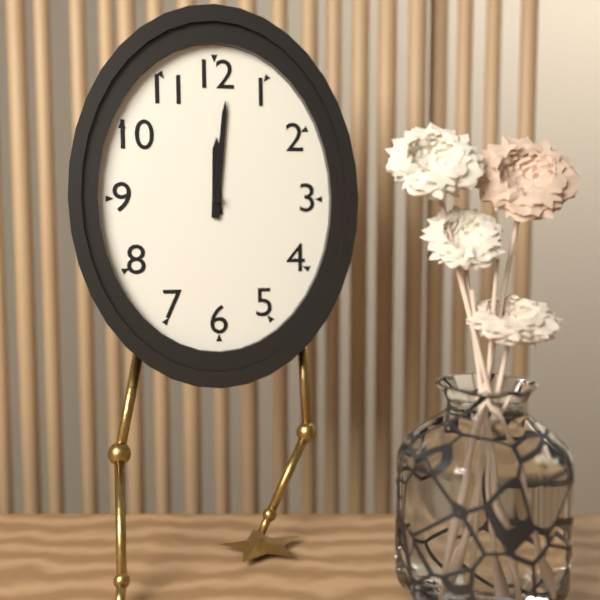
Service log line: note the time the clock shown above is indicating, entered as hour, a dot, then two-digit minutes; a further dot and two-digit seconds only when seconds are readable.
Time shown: 12.01
